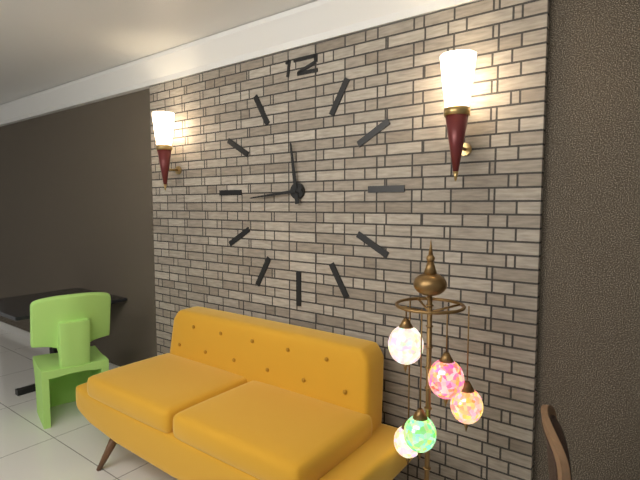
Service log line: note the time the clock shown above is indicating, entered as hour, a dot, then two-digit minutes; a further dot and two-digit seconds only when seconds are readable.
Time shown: 11.44
